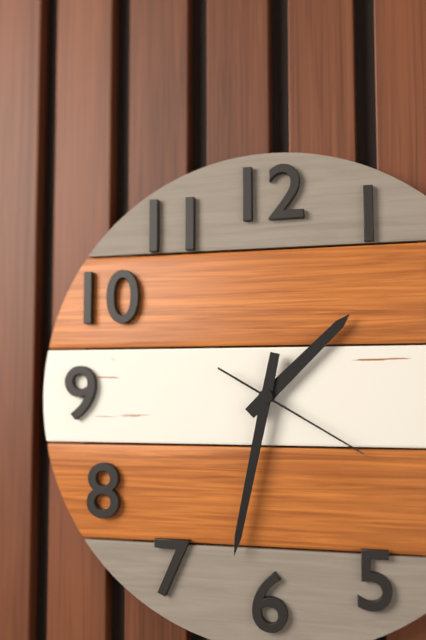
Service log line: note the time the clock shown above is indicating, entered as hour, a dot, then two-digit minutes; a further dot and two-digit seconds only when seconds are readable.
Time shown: 1.32.20
